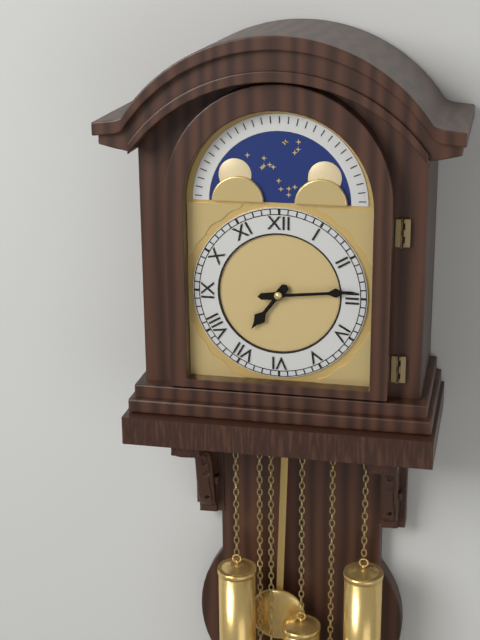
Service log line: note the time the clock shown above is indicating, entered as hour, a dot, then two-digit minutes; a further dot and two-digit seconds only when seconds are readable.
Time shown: 7.14
